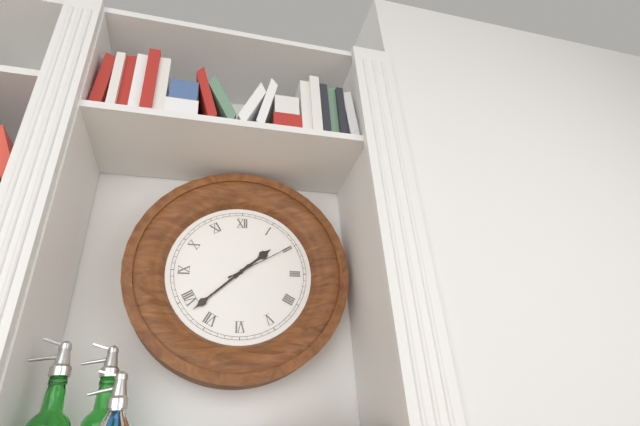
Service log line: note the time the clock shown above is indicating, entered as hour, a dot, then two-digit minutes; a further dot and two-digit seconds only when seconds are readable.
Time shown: 1.38.10
